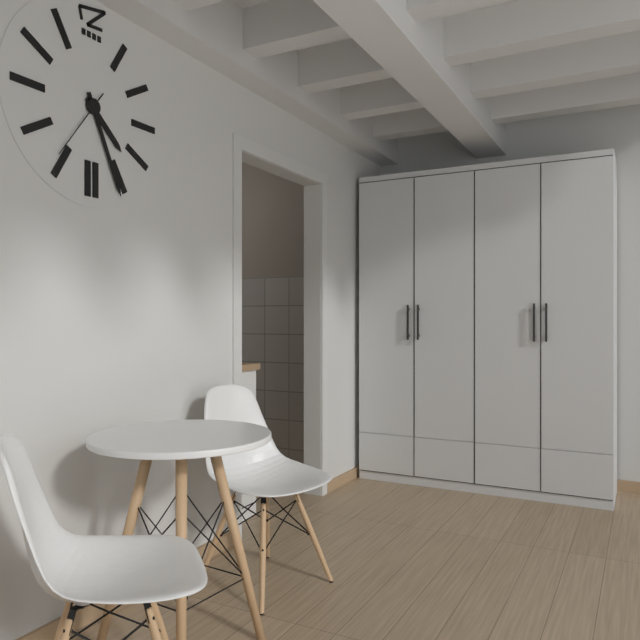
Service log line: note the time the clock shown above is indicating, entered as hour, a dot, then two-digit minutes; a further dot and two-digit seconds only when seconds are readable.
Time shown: 4.26.36
